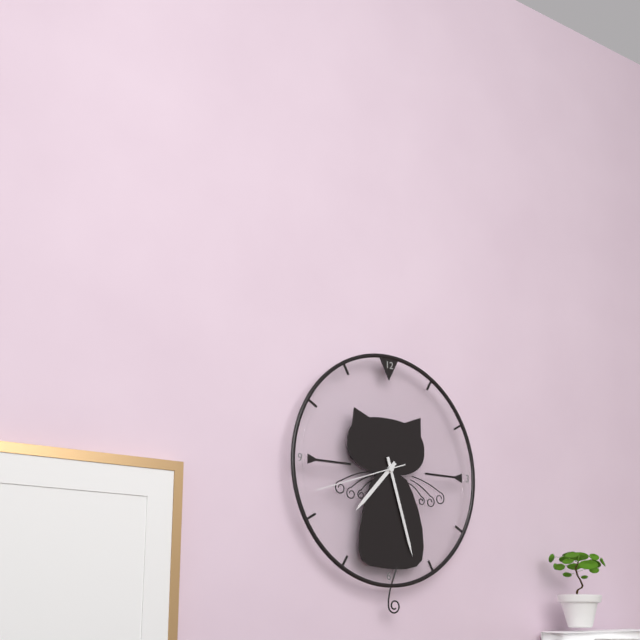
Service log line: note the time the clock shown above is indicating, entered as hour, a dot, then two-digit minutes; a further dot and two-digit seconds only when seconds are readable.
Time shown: 7.27.42
